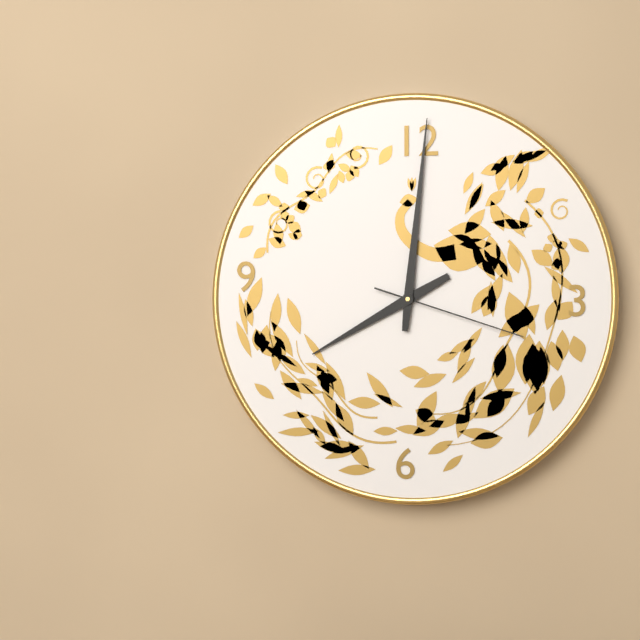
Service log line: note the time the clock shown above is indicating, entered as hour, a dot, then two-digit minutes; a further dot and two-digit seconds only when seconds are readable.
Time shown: 8.01.18
